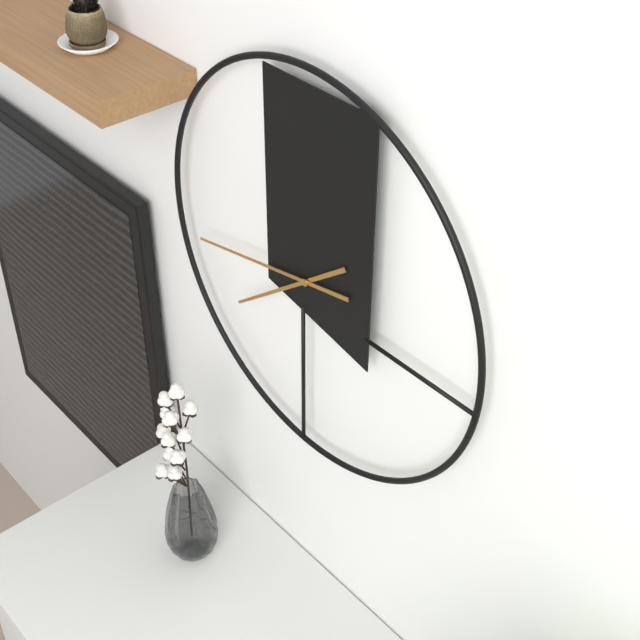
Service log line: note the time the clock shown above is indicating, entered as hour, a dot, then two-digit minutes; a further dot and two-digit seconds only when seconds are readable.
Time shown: 7.43
